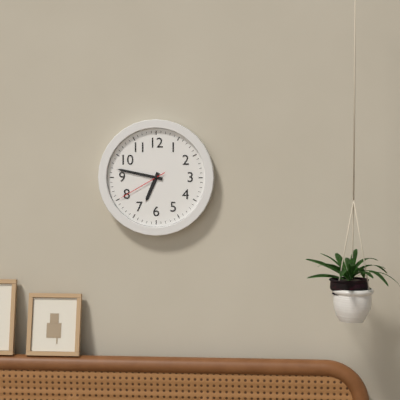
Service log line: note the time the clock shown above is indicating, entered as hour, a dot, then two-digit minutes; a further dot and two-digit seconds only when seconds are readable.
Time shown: 6.47.40
